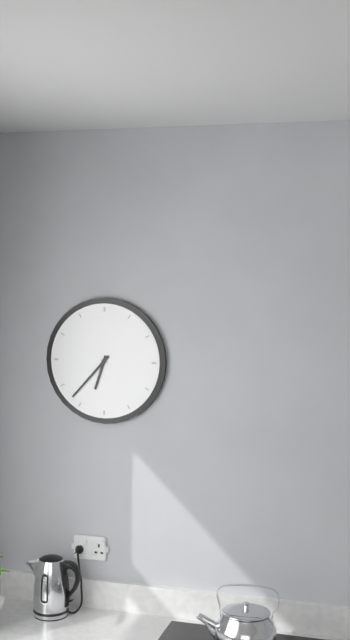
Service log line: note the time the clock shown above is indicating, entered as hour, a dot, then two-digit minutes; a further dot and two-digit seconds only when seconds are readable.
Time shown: 6.37
